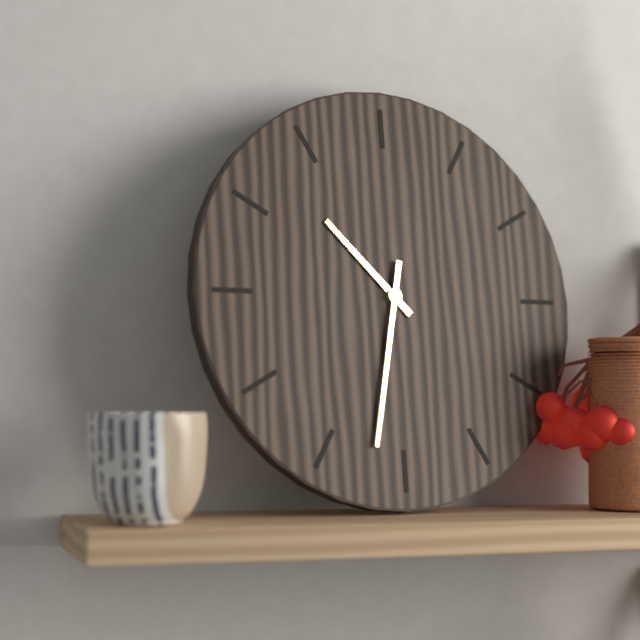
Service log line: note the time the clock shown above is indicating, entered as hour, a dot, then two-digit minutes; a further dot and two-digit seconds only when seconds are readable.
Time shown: 10.32
